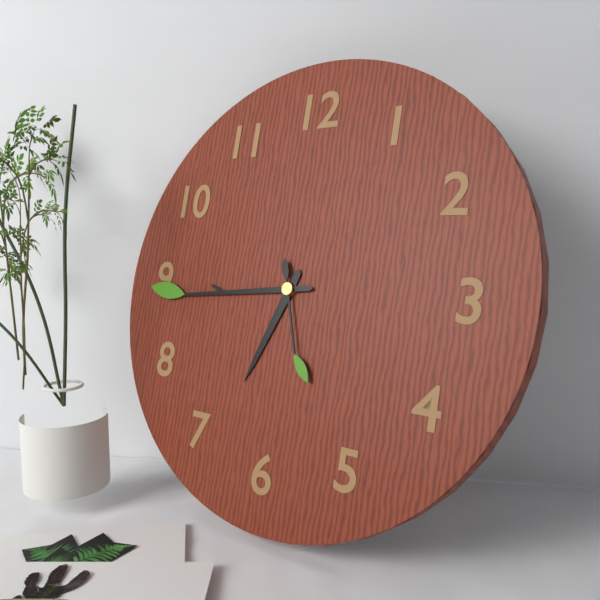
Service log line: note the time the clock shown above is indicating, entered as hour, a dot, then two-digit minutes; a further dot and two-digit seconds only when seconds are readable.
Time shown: 6.44.27
